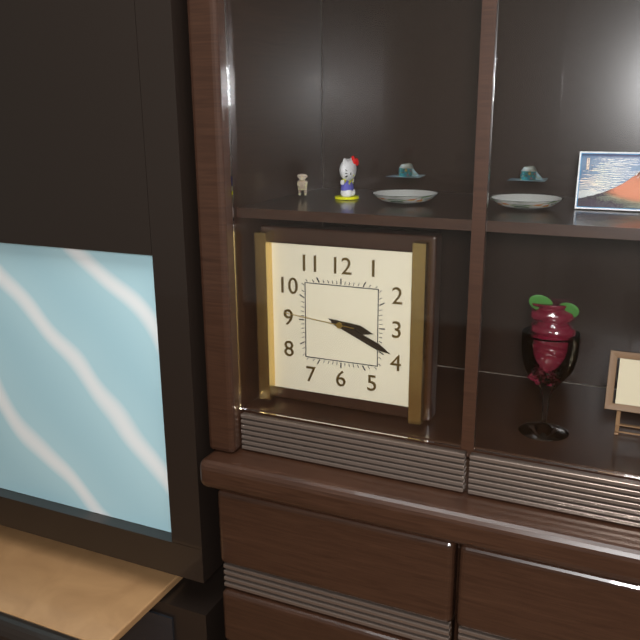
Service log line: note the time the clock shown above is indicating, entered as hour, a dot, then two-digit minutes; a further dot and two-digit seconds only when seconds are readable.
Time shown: 3.19.46
